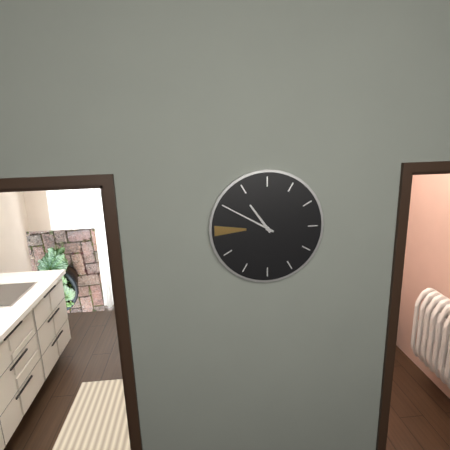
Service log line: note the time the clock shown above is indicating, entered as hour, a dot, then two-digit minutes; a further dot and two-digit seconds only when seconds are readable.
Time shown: 10.50
